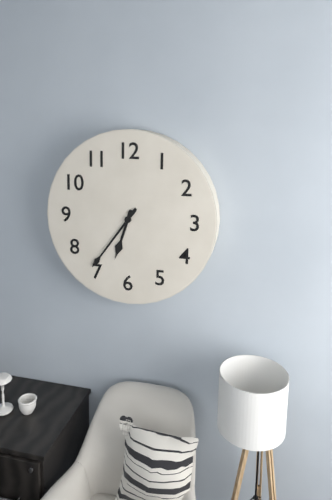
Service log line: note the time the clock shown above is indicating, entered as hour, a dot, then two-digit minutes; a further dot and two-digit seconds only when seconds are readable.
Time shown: 6.36
